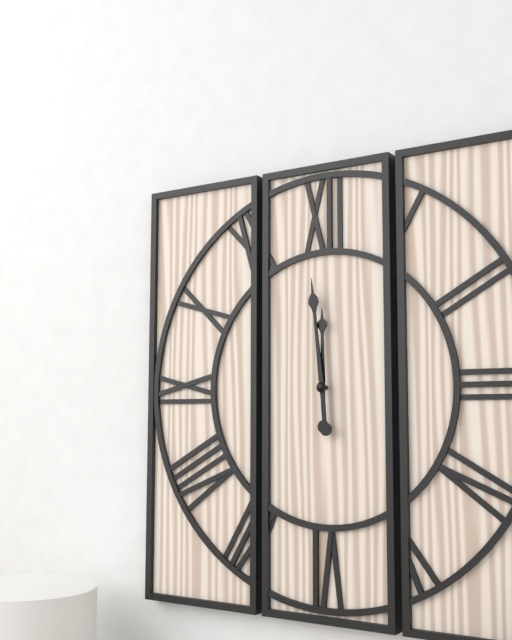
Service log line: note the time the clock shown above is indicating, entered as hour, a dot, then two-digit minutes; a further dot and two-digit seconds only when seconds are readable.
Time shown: 11.59
